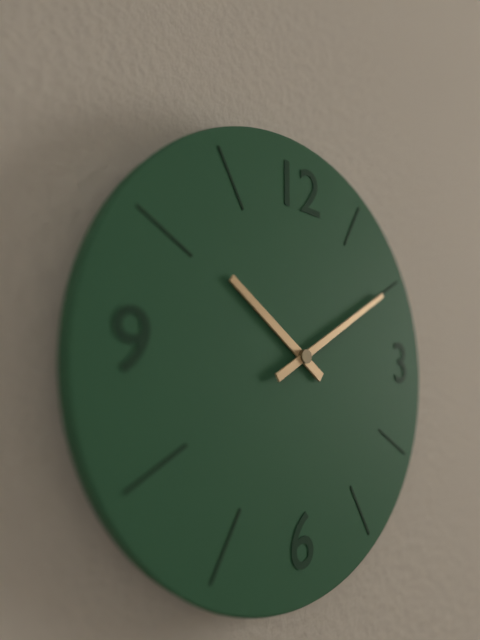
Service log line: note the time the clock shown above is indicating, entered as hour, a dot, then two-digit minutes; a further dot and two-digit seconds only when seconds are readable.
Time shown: 10.10
